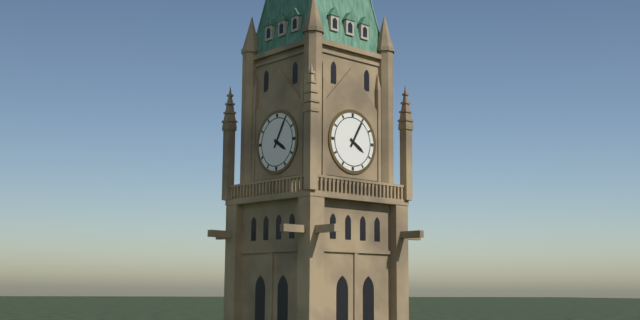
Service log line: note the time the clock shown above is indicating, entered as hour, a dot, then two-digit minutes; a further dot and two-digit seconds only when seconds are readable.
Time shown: 4.05
